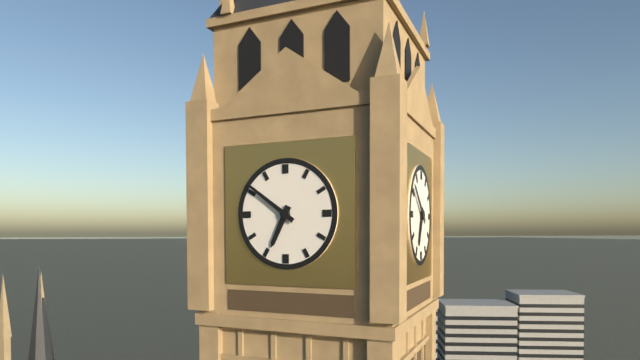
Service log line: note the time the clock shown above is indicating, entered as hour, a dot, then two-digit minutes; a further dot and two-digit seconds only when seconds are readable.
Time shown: 6.51
